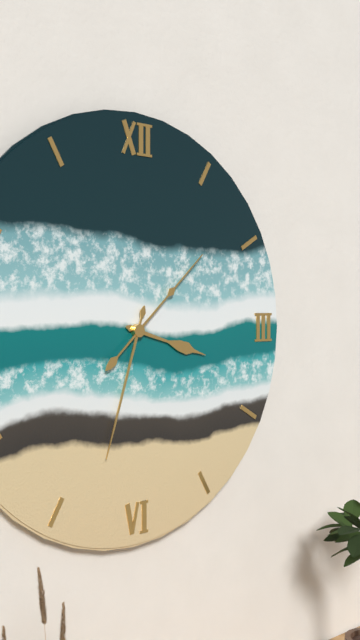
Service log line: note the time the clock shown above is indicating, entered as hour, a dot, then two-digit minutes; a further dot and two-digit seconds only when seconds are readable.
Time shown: 3.33.08
